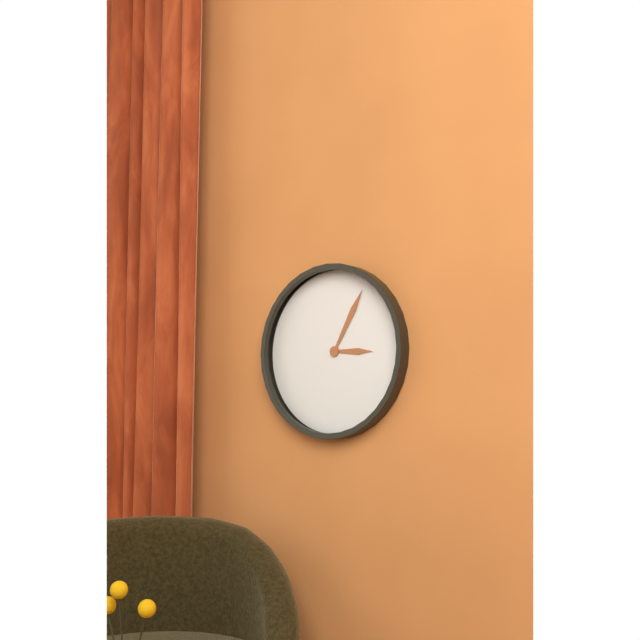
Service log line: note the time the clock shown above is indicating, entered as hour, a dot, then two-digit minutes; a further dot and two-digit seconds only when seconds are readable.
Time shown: 3.05
